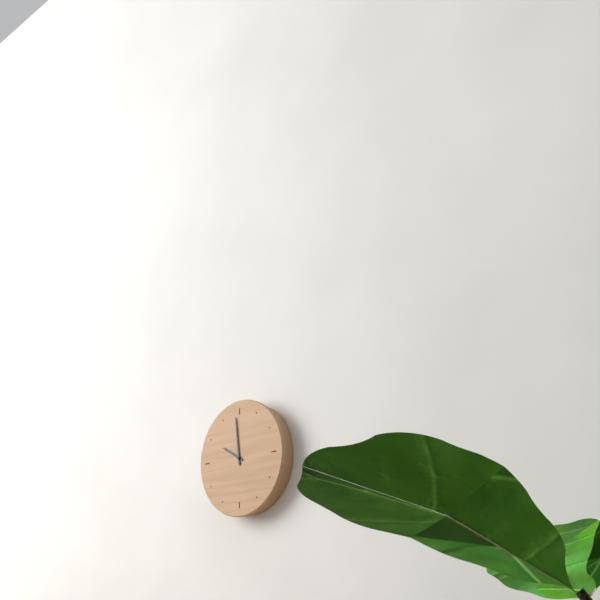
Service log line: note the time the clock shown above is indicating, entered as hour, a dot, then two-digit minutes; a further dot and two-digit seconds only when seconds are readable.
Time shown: 9.59
